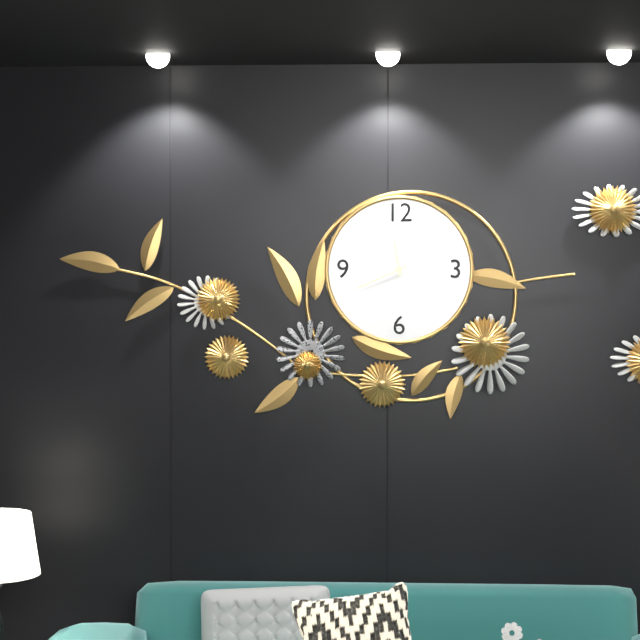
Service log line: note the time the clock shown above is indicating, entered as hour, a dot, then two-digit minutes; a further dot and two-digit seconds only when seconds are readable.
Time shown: 11.41
